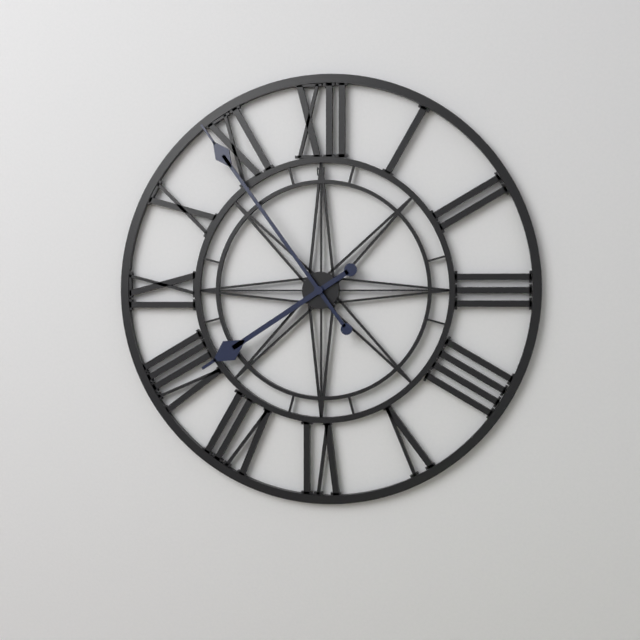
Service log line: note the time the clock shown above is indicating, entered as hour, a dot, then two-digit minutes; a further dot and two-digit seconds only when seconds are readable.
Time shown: 7.54
